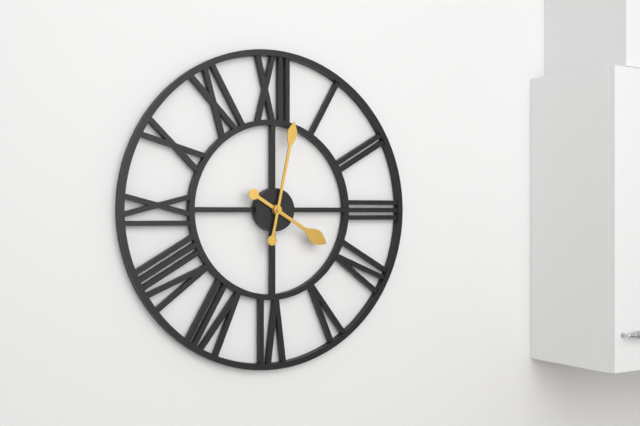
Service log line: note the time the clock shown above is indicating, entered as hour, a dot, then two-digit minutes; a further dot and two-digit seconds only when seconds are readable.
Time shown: 4.02
